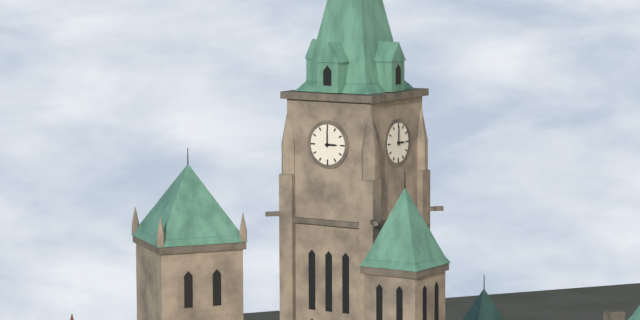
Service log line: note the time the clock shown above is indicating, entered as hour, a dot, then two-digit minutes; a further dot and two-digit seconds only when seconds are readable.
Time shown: 3.00
